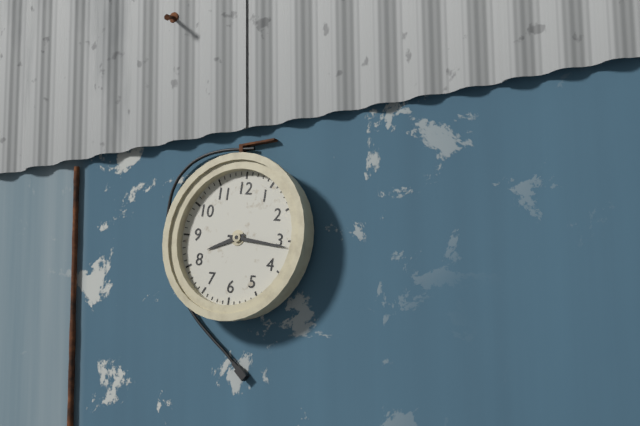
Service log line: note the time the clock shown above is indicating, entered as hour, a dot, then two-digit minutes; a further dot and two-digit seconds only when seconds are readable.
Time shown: 8.16
